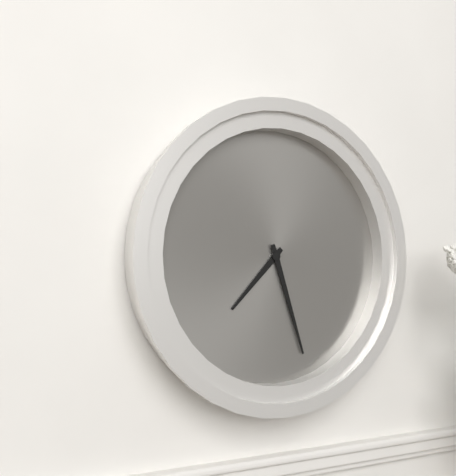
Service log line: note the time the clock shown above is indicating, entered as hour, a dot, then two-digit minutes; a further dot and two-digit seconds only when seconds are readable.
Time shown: 7.27
